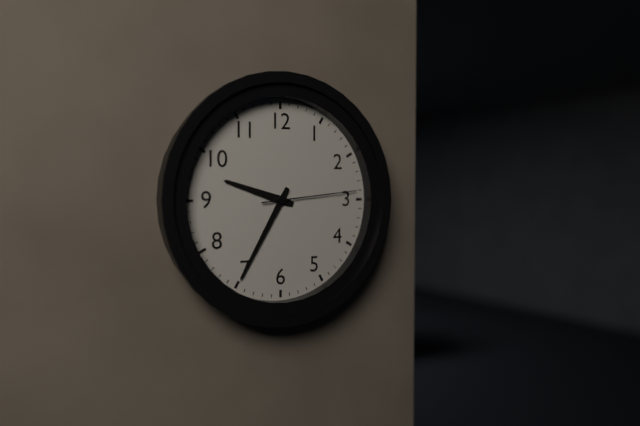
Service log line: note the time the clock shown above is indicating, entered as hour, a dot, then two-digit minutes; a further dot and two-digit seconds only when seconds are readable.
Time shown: 9.35.14
